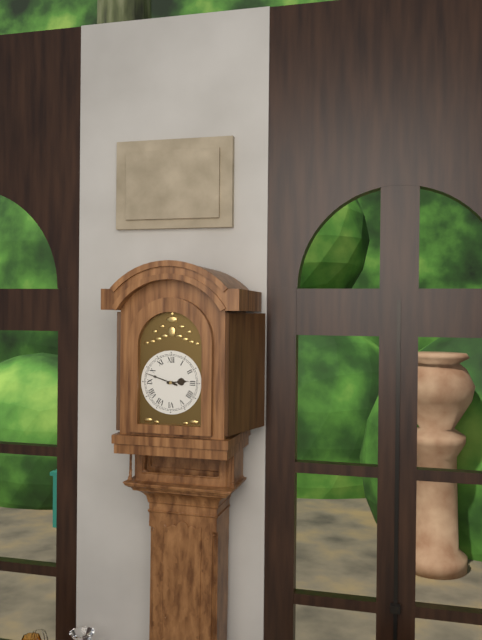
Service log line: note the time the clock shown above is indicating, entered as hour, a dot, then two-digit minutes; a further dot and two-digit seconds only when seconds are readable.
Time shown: 2.48
